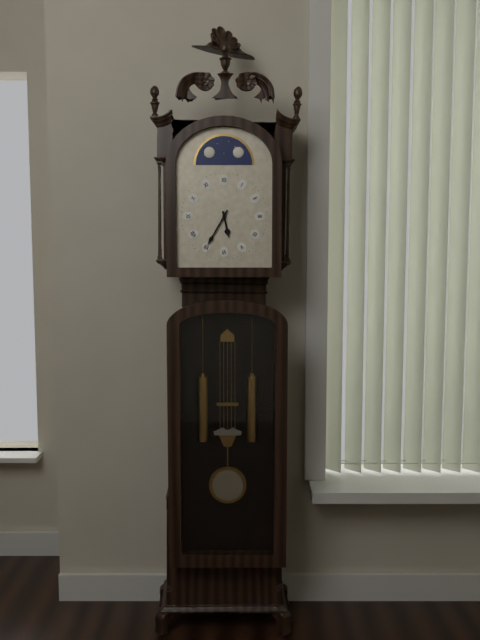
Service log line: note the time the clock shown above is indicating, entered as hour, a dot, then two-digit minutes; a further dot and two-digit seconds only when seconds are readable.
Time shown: 5.35
